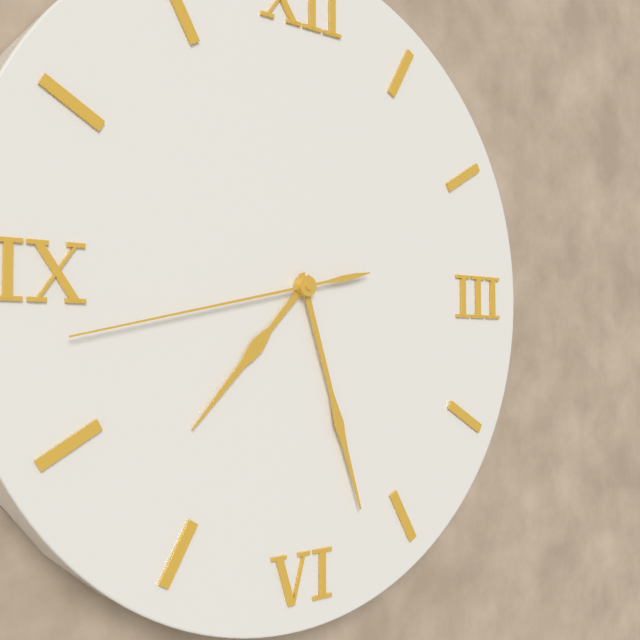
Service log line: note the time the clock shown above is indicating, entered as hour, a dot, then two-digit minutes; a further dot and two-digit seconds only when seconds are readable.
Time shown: 7.27.43
